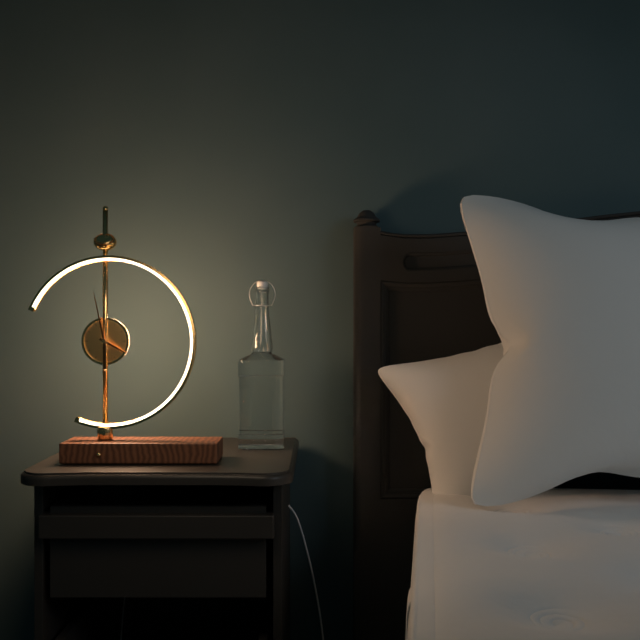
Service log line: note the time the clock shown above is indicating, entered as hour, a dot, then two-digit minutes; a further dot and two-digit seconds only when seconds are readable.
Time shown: 3.58
